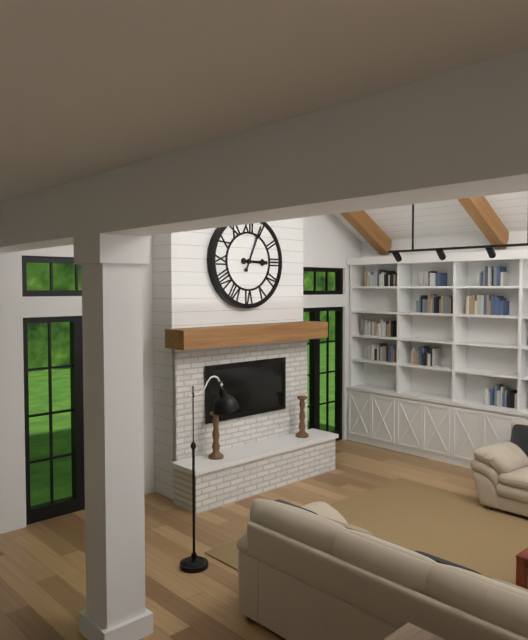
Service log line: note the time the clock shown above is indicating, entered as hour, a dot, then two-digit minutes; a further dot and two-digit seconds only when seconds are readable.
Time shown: 3.04
